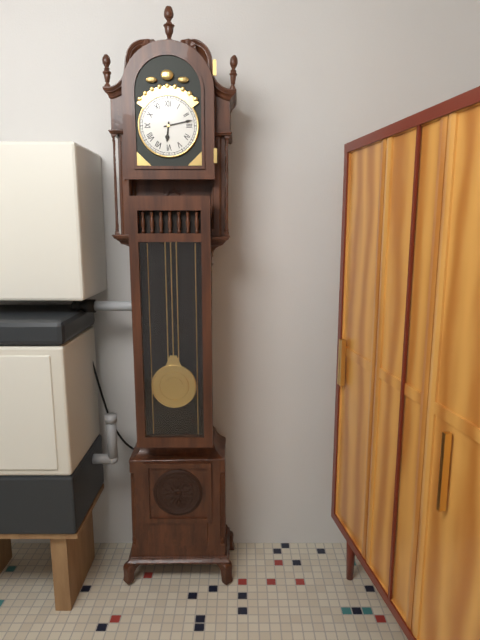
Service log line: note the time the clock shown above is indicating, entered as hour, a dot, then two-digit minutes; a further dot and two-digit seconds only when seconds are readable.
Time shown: 6.13
